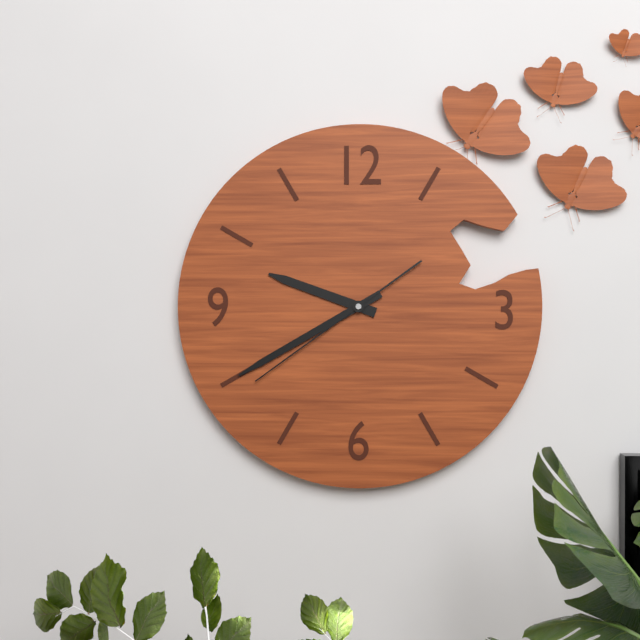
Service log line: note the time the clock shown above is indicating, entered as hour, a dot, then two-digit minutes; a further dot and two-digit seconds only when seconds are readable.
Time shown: 9.40.39
